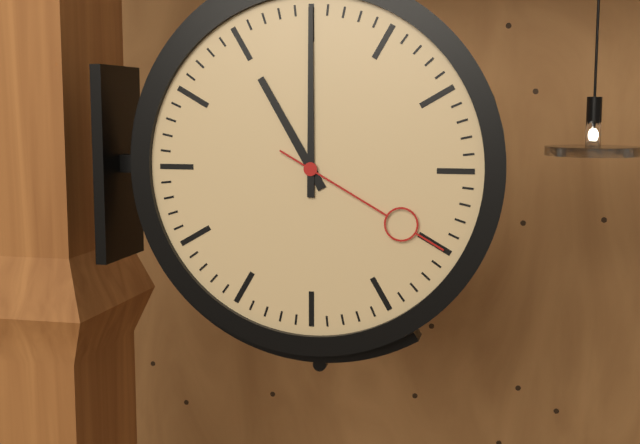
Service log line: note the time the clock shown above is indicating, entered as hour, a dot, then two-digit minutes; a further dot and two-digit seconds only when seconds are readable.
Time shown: 11.00.20
